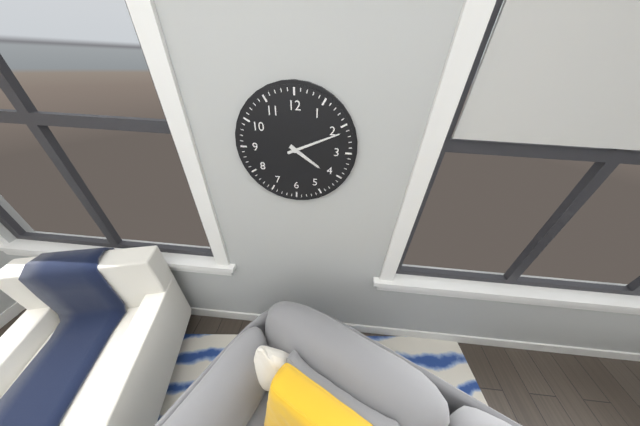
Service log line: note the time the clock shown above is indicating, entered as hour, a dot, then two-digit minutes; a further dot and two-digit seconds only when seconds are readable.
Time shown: 4.11
